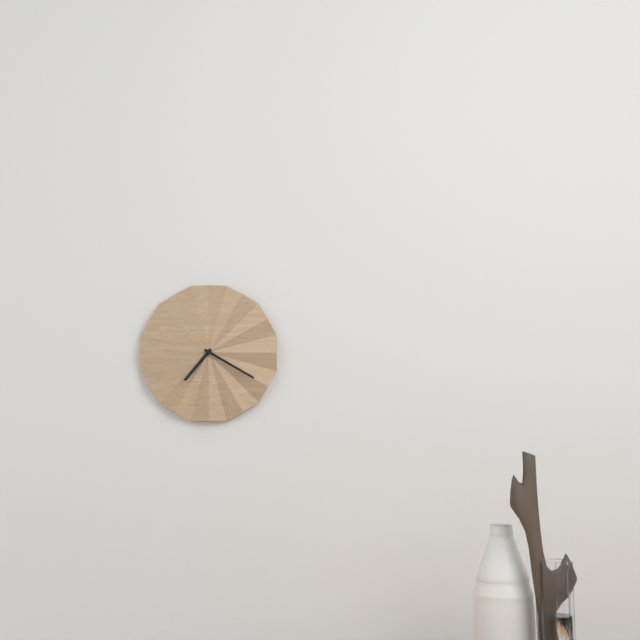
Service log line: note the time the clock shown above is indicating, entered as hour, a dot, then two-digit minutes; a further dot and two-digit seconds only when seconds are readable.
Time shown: 7.20
